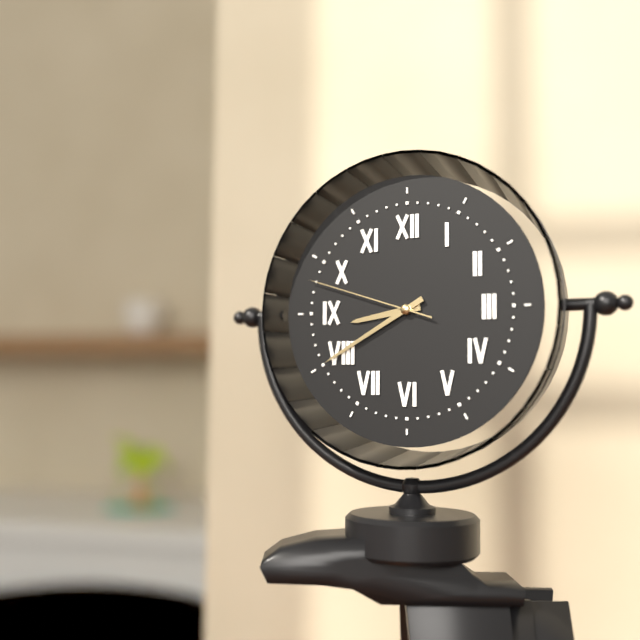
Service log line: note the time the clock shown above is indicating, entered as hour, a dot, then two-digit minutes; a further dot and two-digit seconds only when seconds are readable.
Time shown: 8.40.48
